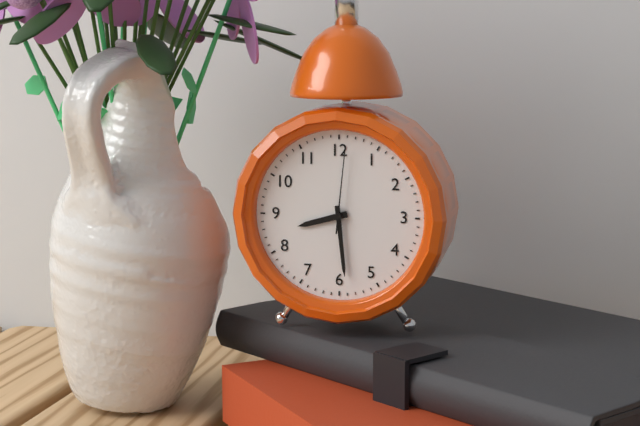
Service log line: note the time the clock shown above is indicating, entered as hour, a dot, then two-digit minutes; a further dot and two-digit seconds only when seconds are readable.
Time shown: 8.29.01
